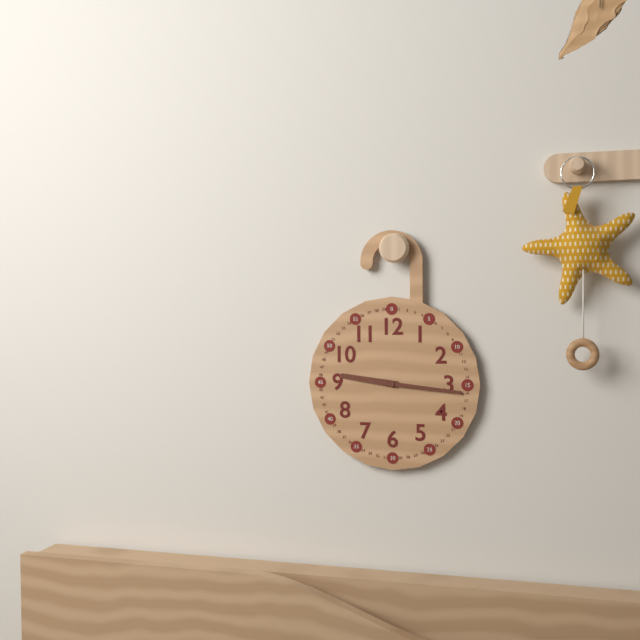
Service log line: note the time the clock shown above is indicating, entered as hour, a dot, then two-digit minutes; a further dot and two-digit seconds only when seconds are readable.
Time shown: 9.16
